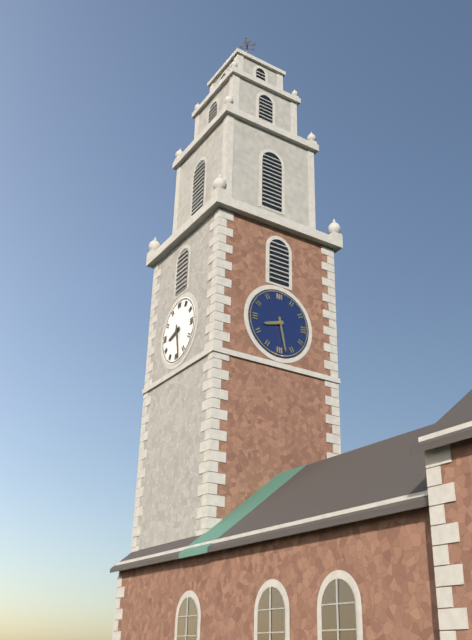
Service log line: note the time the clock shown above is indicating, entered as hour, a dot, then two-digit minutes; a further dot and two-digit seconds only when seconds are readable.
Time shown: 8.28
